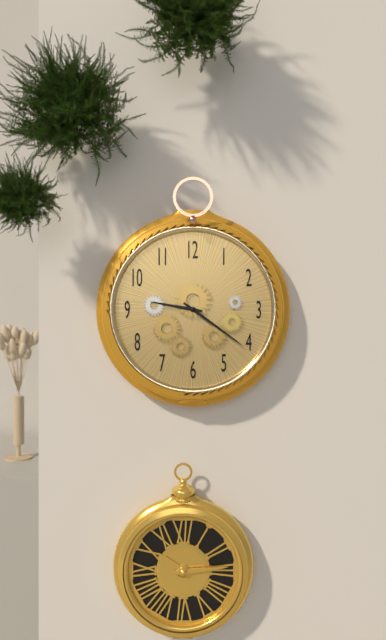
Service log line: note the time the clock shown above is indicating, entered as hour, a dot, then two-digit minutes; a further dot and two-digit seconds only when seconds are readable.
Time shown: 9.21
